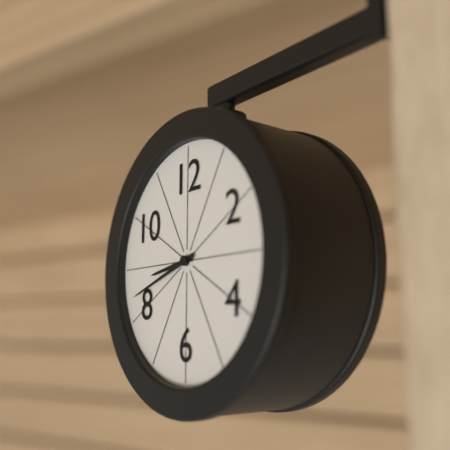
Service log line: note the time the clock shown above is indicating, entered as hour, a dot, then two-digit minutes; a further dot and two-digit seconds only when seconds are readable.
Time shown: 8.42
